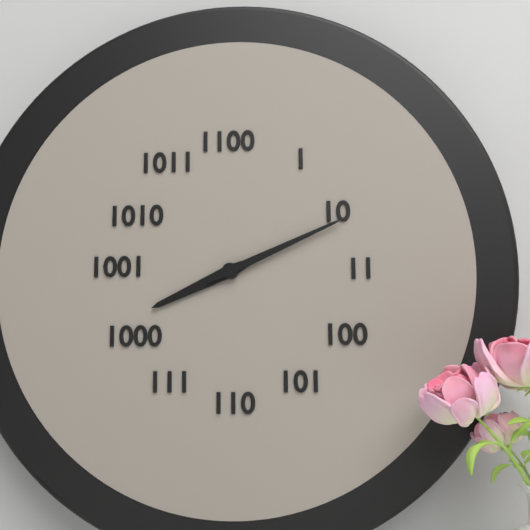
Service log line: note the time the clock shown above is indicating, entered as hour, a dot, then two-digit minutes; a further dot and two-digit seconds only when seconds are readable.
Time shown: 8.11
